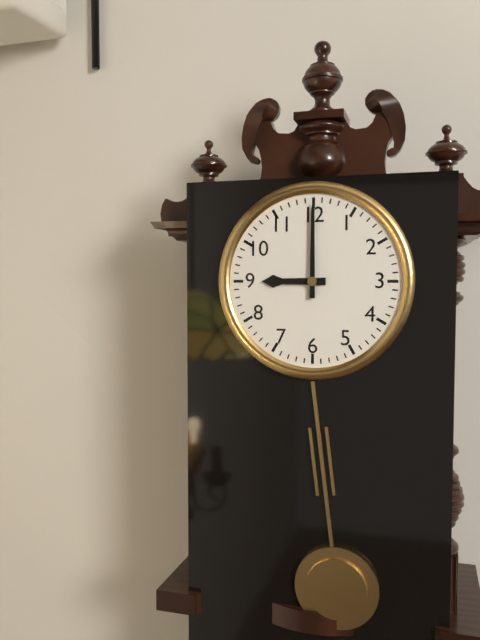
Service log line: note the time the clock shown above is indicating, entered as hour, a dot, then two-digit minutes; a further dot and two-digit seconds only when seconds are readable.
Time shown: 9.00
